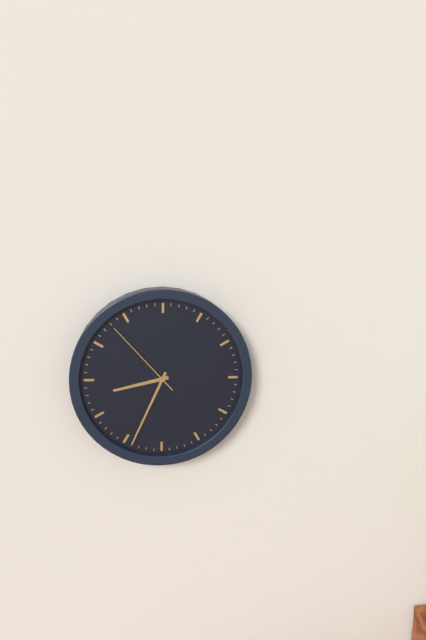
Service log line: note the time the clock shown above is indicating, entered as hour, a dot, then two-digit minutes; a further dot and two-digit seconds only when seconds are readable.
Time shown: 8.34.53
